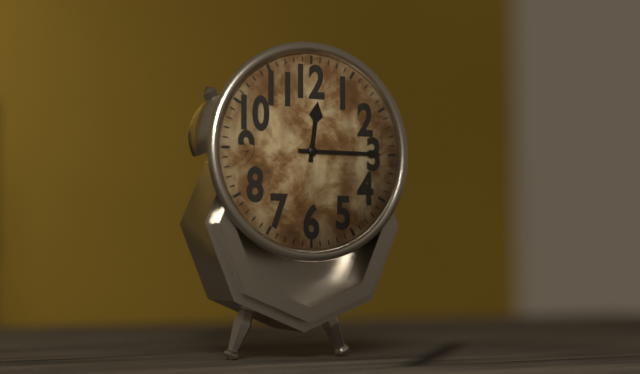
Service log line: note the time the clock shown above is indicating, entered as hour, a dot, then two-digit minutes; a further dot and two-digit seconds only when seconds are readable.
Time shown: 12.15
